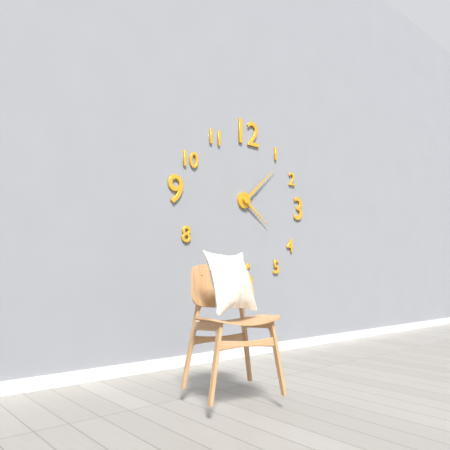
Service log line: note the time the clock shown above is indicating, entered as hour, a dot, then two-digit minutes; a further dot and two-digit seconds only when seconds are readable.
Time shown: 4.08
